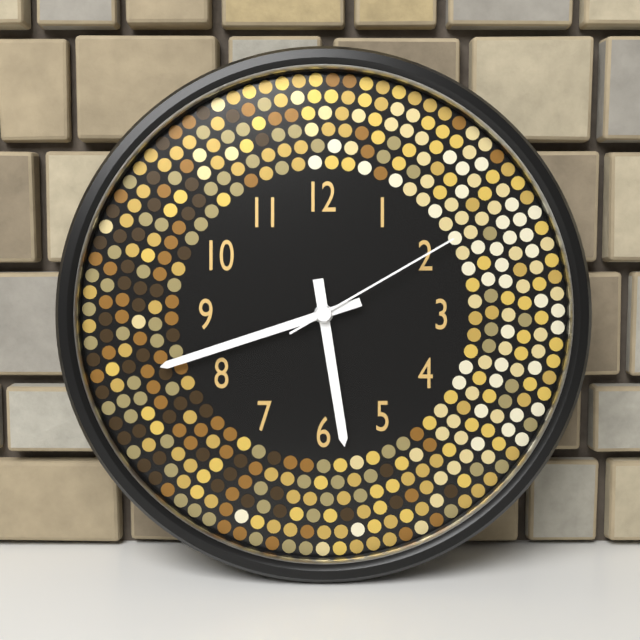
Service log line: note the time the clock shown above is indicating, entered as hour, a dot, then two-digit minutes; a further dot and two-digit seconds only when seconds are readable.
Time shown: 5.42.10
